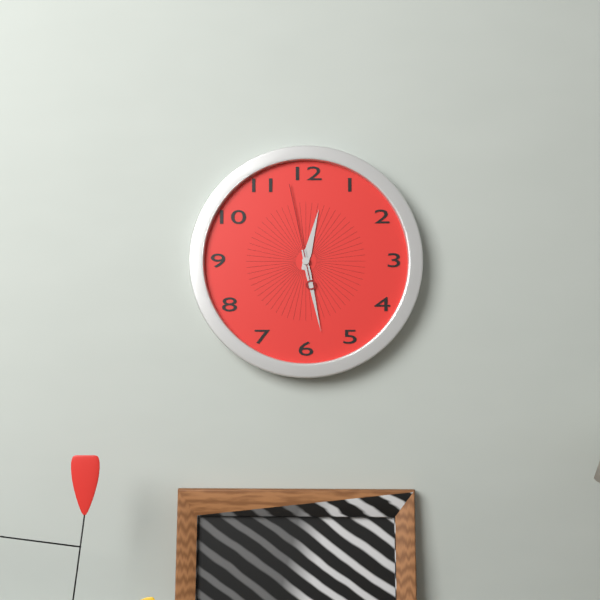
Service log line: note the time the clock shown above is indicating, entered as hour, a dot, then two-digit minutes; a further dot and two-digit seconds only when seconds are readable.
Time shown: 12.28.58
